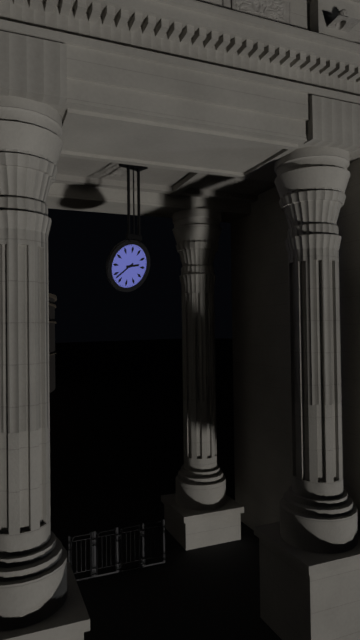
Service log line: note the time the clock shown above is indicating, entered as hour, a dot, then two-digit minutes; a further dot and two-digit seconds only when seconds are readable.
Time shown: 2.38
